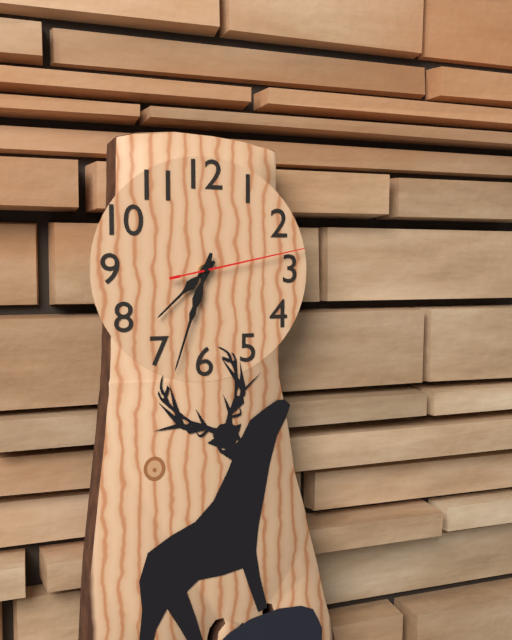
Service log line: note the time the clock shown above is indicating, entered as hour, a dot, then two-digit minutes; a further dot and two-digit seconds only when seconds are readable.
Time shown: 7.33.13
